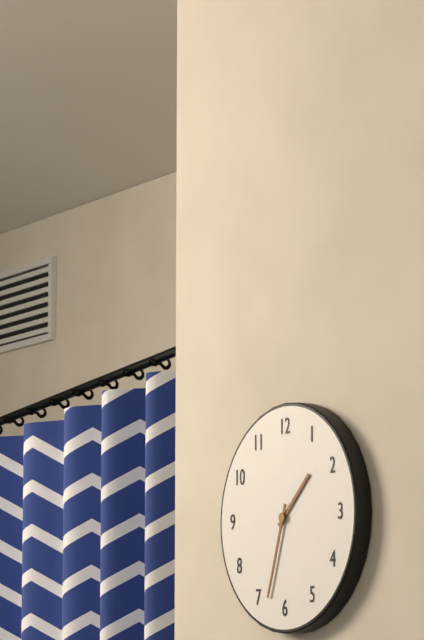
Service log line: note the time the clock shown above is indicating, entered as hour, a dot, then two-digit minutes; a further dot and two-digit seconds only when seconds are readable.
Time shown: 1.33
